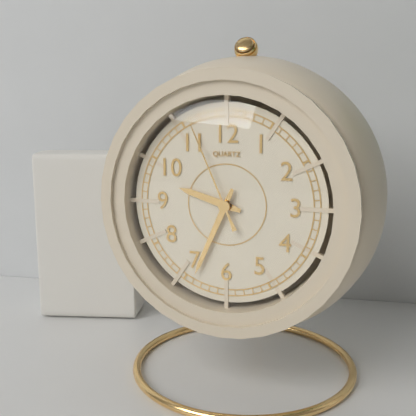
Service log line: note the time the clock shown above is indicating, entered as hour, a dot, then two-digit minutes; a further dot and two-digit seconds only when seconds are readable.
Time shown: 9.34.56
